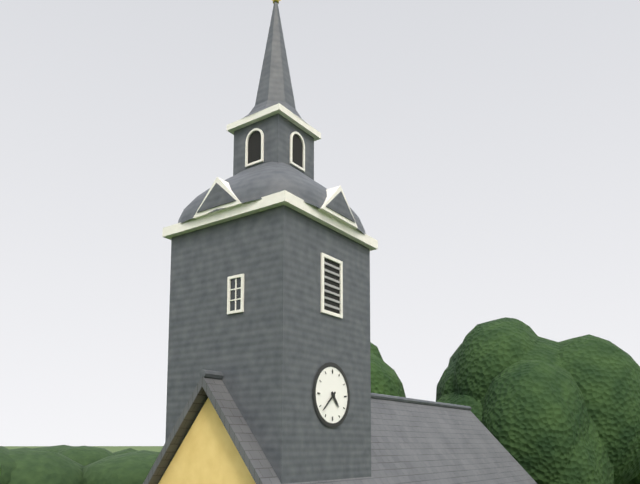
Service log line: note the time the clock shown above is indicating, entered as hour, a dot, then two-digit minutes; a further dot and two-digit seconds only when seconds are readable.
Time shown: 4.38
